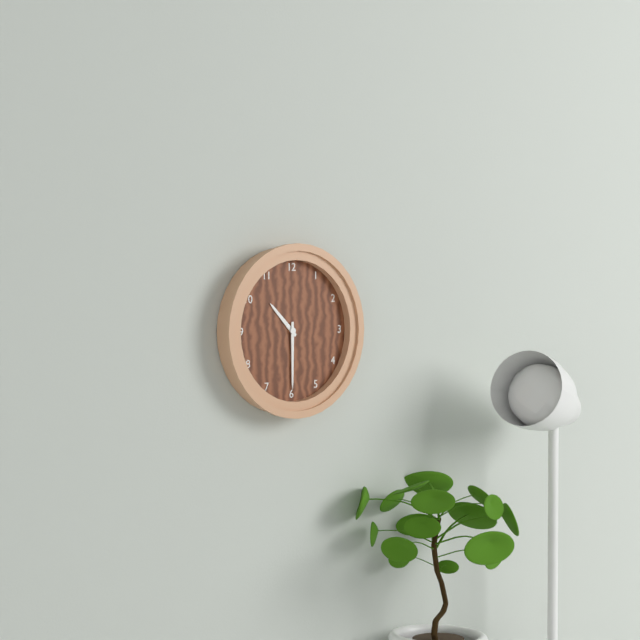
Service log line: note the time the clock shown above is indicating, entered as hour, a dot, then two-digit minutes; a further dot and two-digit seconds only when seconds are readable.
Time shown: 10.30
